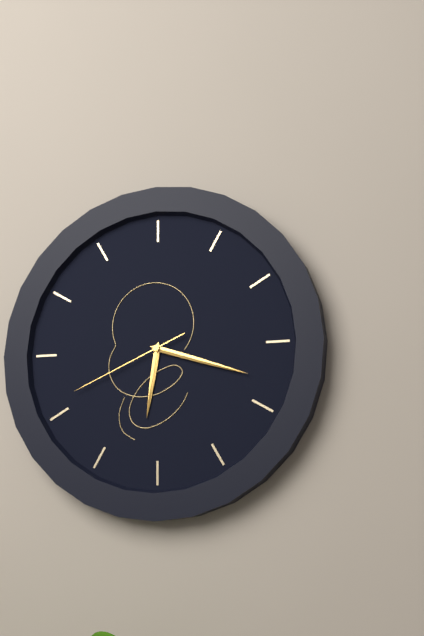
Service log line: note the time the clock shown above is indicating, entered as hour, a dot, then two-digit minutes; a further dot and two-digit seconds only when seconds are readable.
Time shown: 6.18.41
